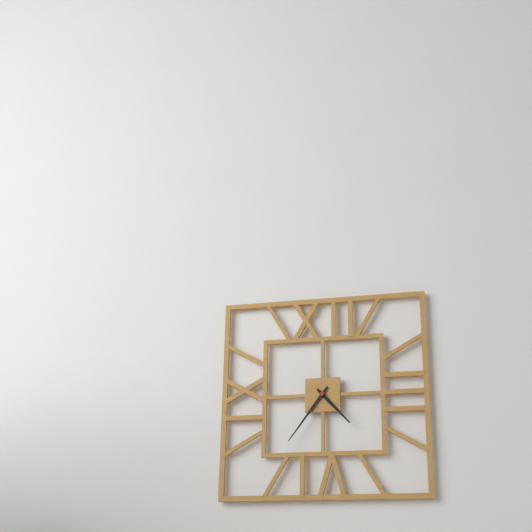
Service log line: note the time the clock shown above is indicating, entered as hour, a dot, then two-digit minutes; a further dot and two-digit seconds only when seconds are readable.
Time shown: 4.36
